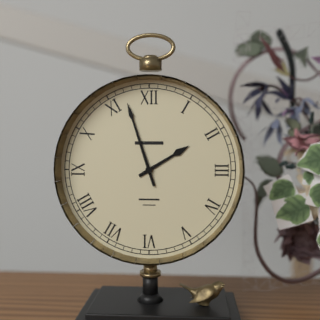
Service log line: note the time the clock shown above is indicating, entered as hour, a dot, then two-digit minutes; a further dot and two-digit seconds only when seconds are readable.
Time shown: 1.57
